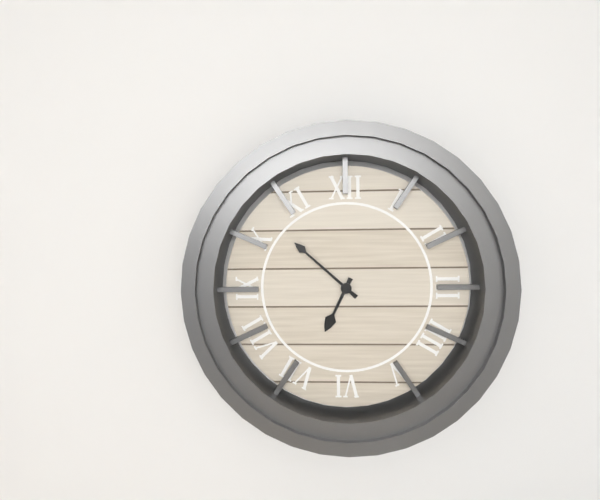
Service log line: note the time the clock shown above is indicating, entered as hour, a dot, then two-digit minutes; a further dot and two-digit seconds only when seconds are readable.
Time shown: 6.52
